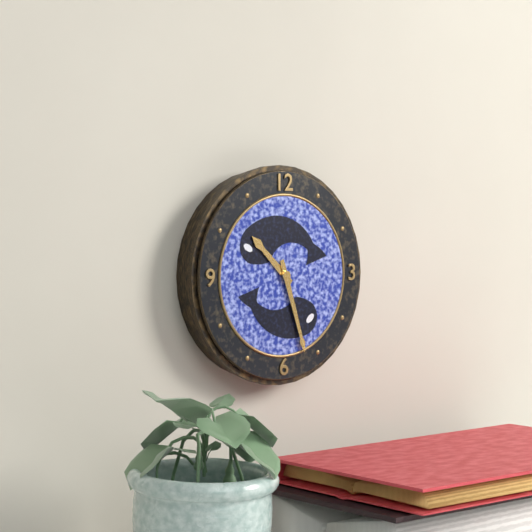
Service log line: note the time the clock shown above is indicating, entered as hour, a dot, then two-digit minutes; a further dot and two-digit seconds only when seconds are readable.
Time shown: 10.27
